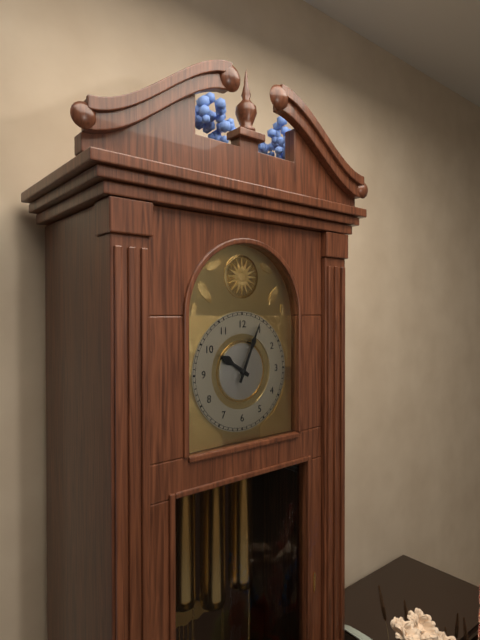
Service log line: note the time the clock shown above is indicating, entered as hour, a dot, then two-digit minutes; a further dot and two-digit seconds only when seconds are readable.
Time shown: 10.04
